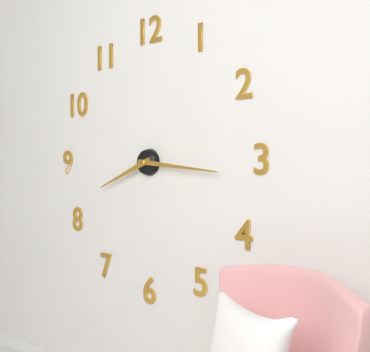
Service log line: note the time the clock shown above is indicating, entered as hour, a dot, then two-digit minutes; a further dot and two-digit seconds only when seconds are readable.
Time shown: 8.16
